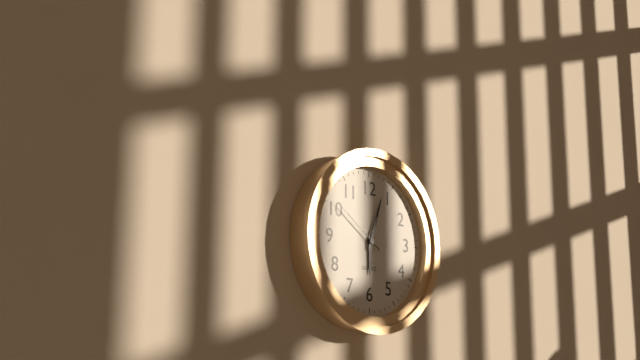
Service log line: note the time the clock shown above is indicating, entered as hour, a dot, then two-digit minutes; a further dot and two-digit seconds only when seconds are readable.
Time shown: 6.03.51
